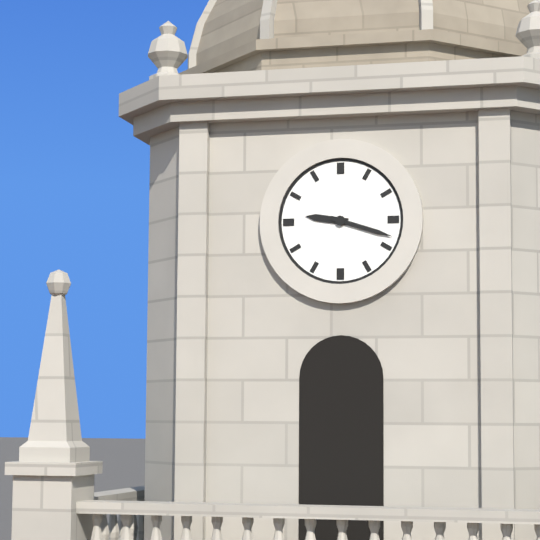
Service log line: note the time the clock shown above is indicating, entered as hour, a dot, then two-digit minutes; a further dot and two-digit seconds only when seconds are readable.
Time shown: 9.18
